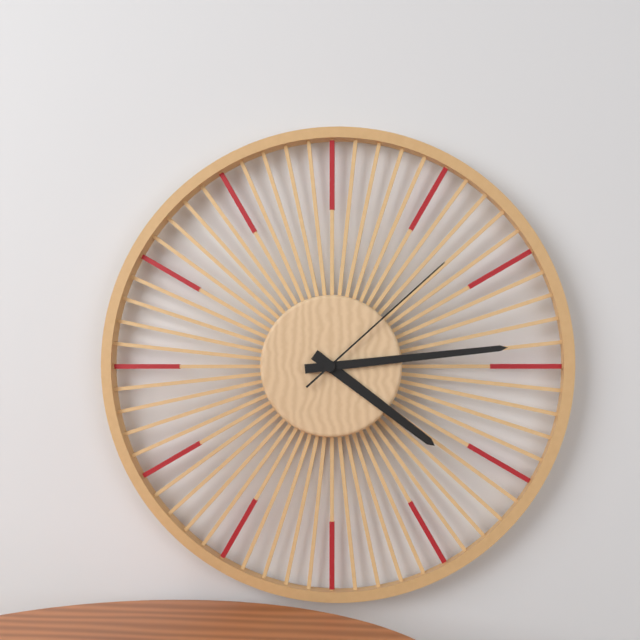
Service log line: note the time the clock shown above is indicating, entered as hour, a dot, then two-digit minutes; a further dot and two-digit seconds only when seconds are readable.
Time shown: 4.14.08
